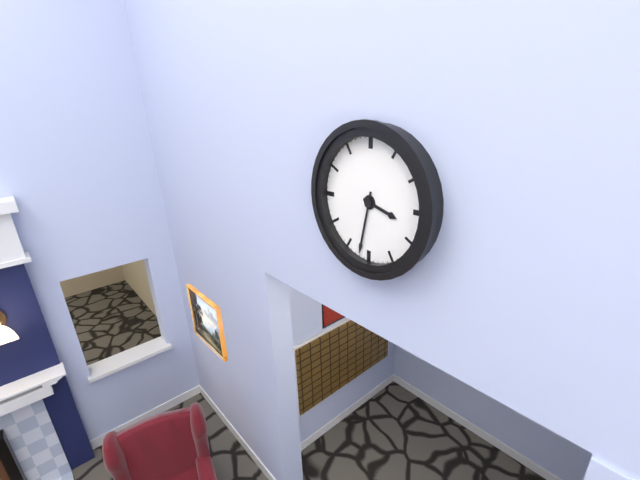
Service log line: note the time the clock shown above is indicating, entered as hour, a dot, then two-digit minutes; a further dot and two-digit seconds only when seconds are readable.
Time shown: 3.32
